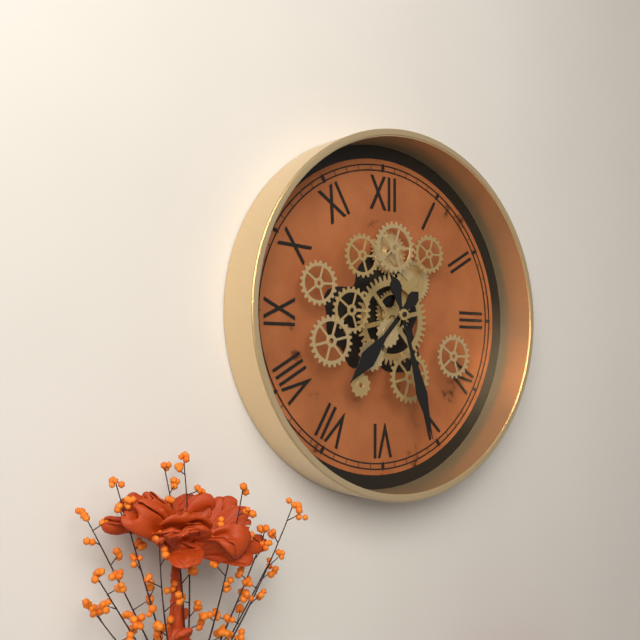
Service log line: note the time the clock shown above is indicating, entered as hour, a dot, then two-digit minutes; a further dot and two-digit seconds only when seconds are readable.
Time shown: 7.27
